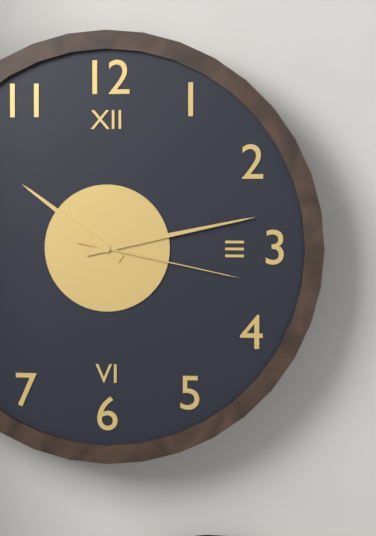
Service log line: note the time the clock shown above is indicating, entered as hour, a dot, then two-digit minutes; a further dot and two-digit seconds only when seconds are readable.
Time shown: 10.13.17
